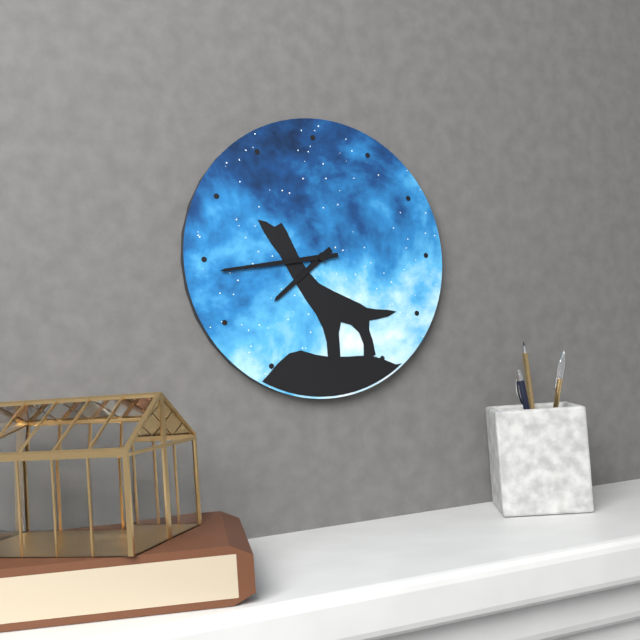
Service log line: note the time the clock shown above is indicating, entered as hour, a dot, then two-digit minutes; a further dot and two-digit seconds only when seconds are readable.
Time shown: 7.44
